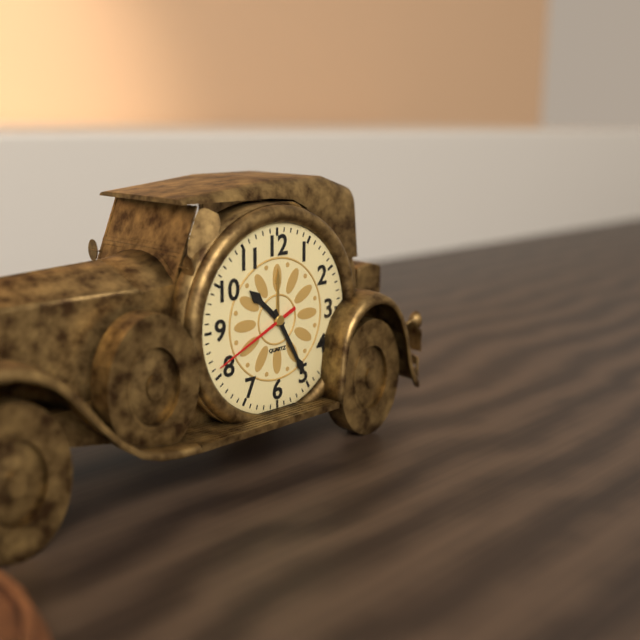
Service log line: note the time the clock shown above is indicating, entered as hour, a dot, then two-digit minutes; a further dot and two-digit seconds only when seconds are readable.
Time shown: 10.25.41
